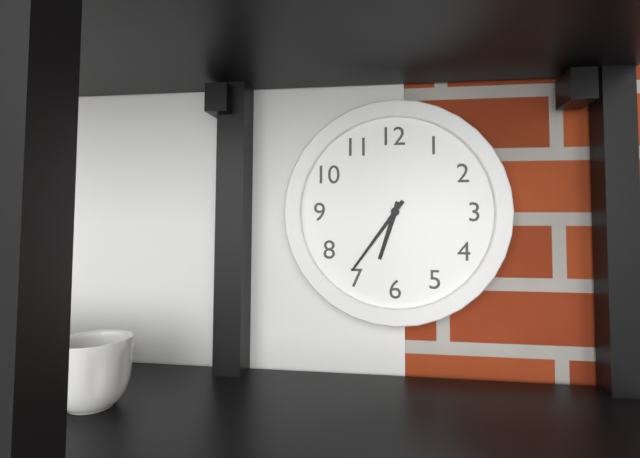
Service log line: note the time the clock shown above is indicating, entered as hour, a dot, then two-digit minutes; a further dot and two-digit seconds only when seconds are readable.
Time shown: 6.36
